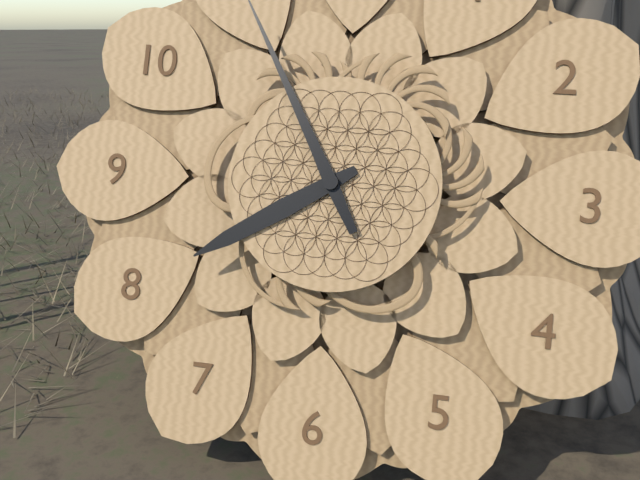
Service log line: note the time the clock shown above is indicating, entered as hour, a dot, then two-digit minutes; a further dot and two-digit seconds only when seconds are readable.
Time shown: 7.55
